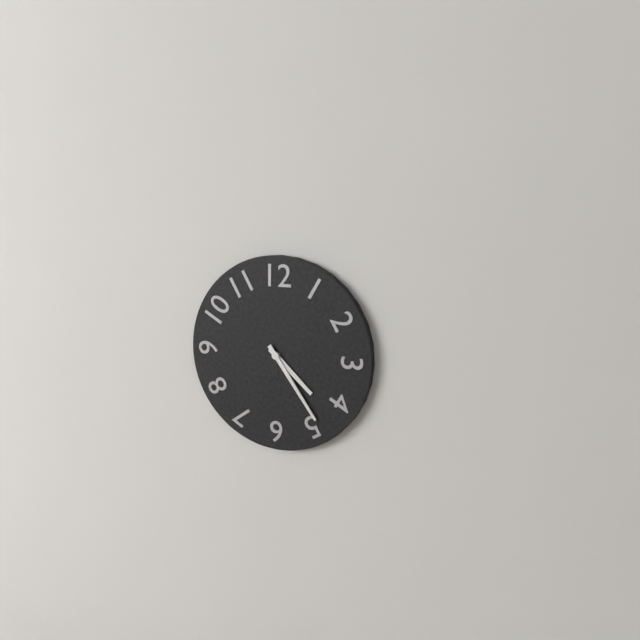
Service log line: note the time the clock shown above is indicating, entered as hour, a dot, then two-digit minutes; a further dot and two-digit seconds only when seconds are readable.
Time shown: 4.24
